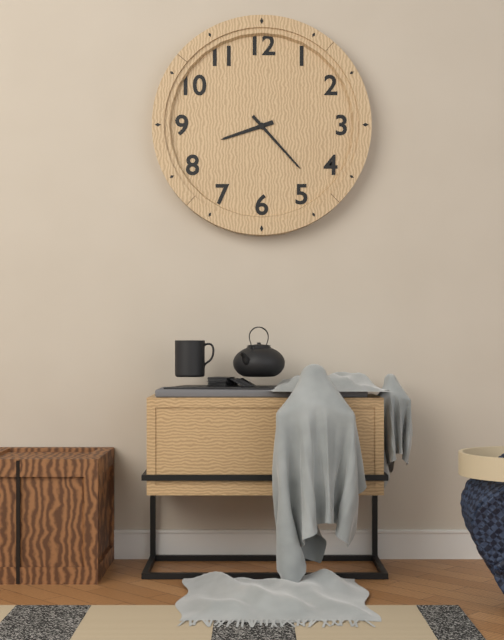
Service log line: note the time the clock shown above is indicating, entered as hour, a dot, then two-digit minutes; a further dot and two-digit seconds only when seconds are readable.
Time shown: 8.23
